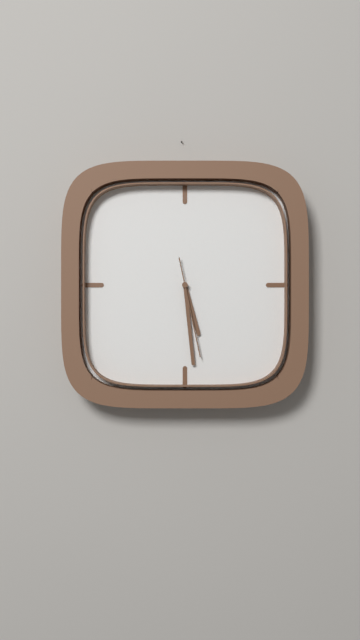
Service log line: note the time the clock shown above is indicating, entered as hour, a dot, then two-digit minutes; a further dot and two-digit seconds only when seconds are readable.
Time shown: 5.29.28
